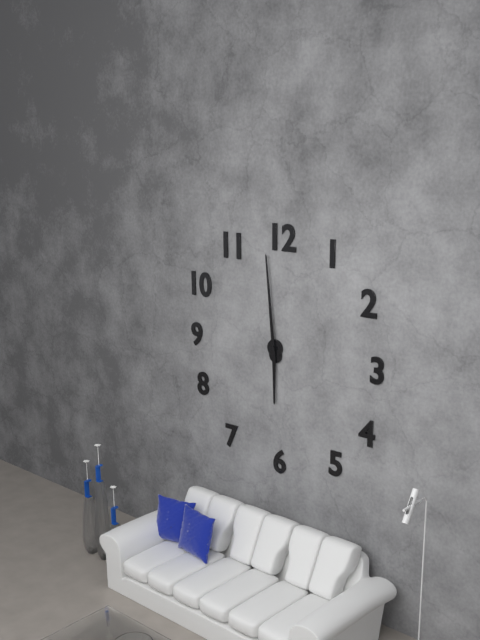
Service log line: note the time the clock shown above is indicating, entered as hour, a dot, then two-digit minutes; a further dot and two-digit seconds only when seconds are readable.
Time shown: 5.59
